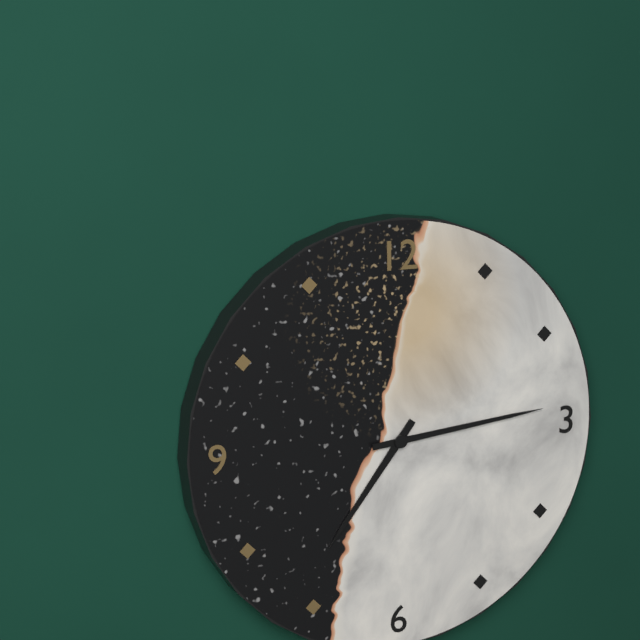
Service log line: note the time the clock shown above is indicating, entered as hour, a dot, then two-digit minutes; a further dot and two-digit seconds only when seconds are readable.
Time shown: 7.14
